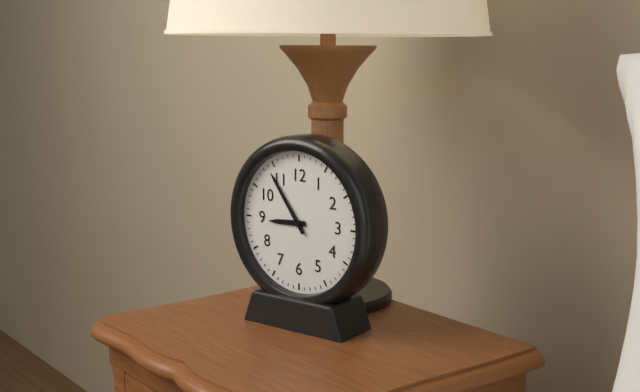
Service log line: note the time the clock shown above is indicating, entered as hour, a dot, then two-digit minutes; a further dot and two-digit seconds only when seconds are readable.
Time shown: 8.54
